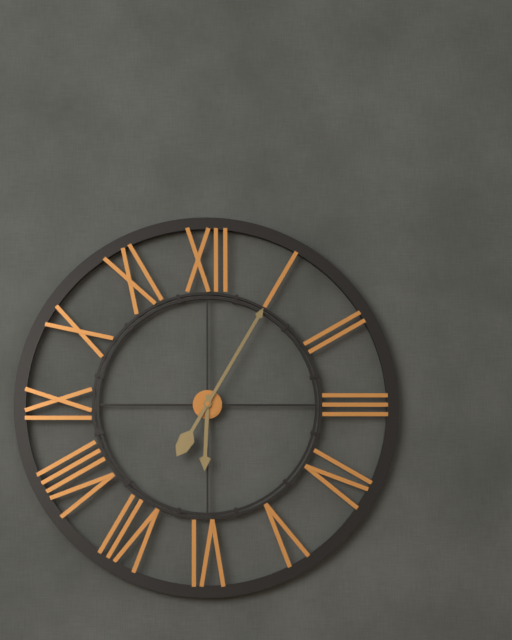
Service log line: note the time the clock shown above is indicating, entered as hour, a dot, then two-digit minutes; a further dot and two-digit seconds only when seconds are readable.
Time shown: 6.05
